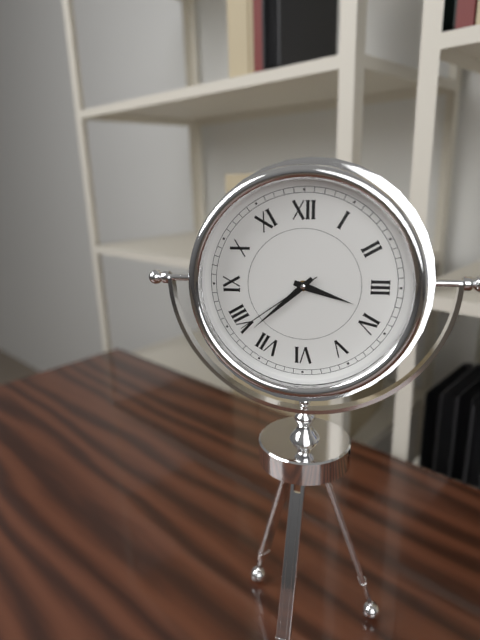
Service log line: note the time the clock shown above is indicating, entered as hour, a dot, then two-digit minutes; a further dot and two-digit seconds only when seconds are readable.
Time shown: 3.38.39
